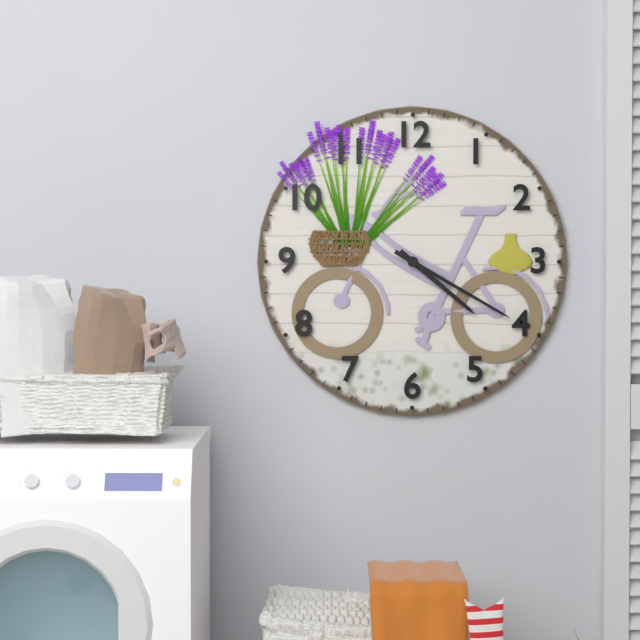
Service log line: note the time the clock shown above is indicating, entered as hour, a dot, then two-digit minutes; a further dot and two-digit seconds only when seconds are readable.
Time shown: 4.20
